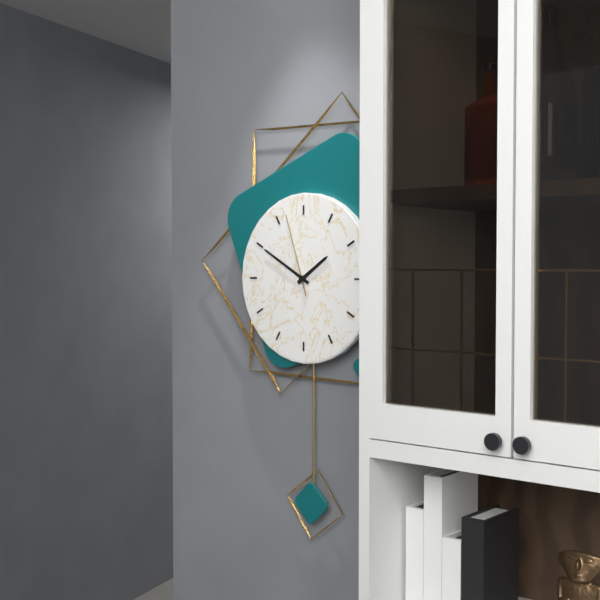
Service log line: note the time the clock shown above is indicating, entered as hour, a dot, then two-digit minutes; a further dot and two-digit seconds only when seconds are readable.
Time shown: 1.50.57
